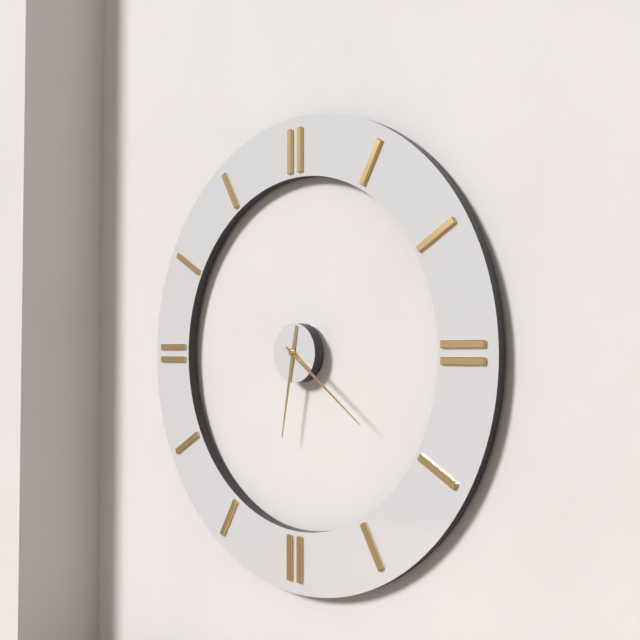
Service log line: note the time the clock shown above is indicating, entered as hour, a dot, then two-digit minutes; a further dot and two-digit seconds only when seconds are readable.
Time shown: 6.21
